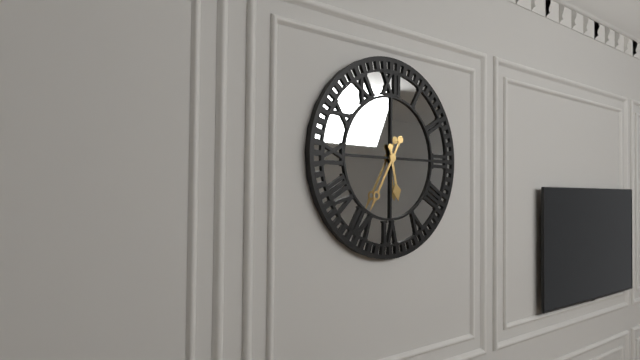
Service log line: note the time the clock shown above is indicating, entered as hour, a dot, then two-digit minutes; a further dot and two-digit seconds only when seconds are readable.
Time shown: 5.35
